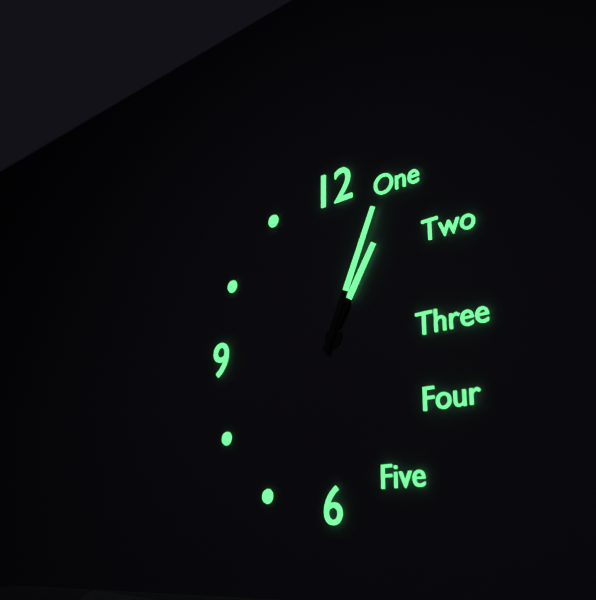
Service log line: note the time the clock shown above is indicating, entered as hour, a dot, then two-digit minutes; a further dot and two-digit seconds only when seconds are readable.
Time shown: 1.04
